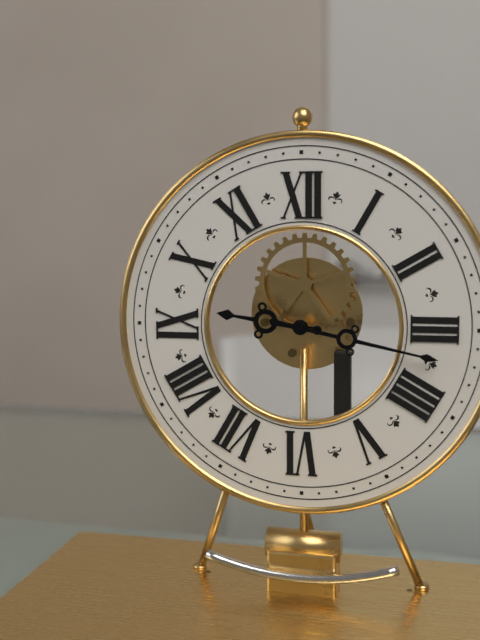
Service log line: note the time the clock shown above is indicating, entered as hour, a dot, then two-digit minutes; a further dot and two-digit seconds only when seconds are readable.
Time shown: 9.17
